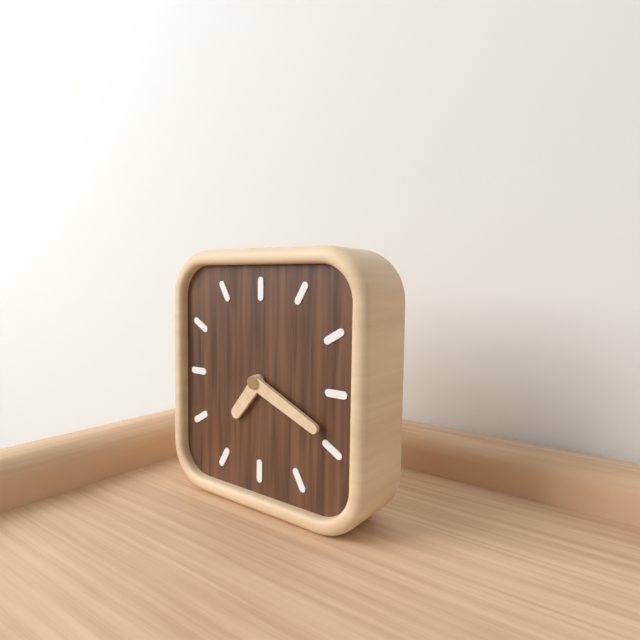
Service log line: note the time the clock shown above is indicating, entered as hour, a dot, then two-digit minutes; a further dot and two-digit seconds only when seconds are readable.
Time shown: 7.19
